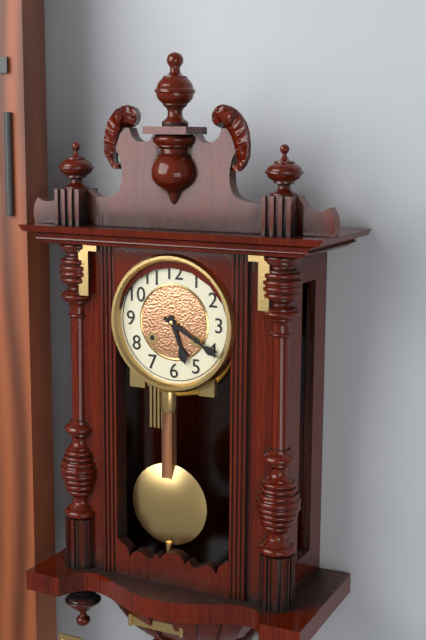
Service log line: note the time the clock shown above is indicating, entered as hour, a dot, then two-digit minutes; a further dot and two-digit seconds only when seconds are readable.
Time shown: 5.20
